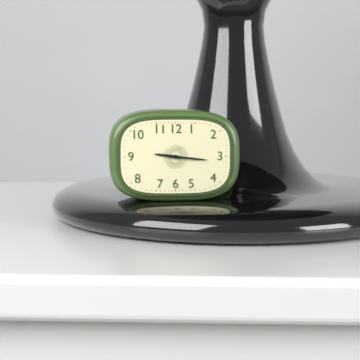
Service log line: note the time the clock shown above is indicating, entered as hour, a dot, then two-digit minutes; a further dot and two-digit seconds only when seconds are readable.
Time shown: 9.16
